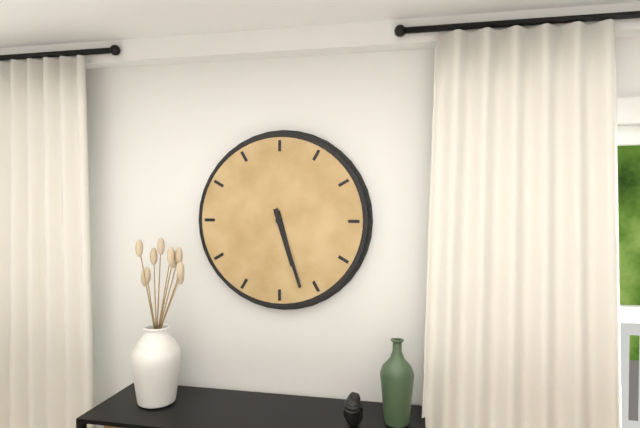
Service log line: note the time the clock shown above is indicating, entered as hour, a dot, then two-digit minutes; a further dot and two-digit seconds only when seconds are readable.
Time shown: 5.27
